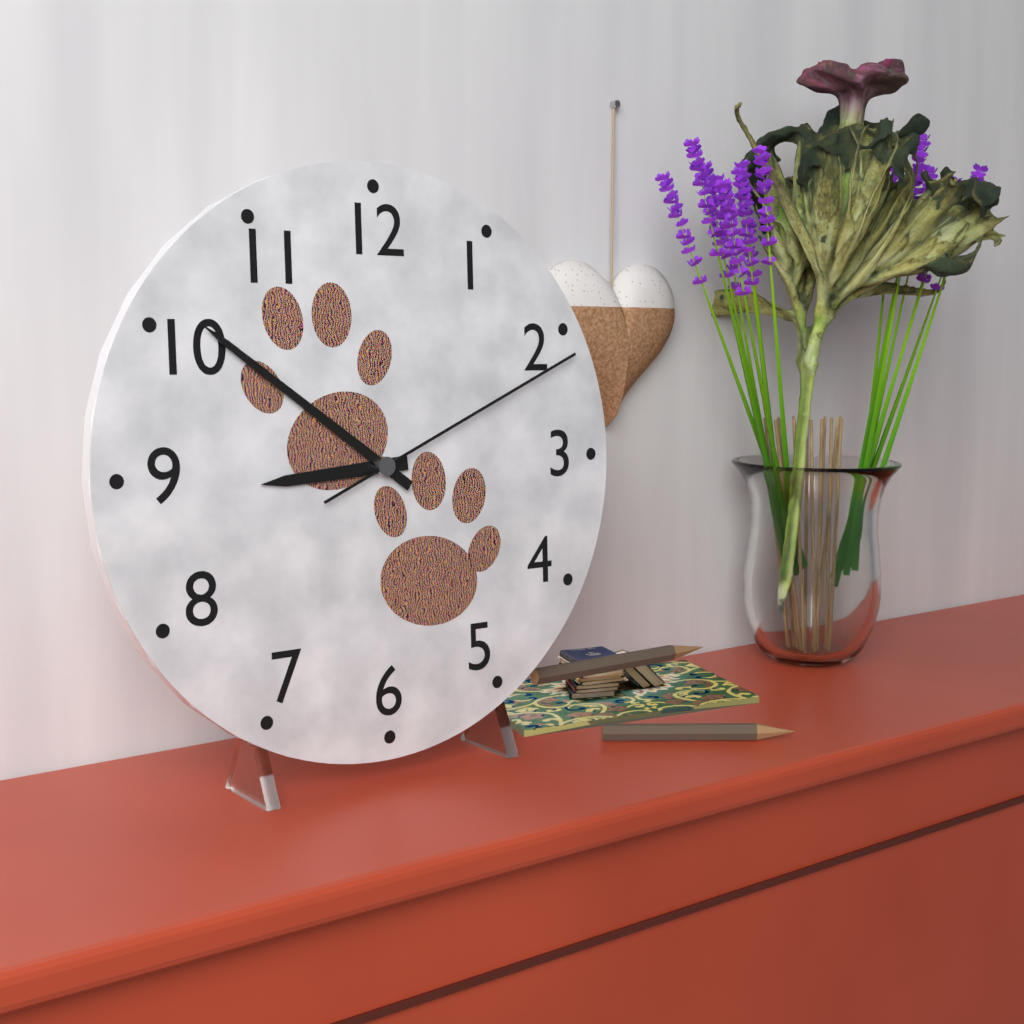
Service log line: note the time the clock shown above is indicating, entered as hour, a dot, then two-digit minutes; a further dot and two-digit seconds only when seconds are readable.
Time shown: 8.51.11
